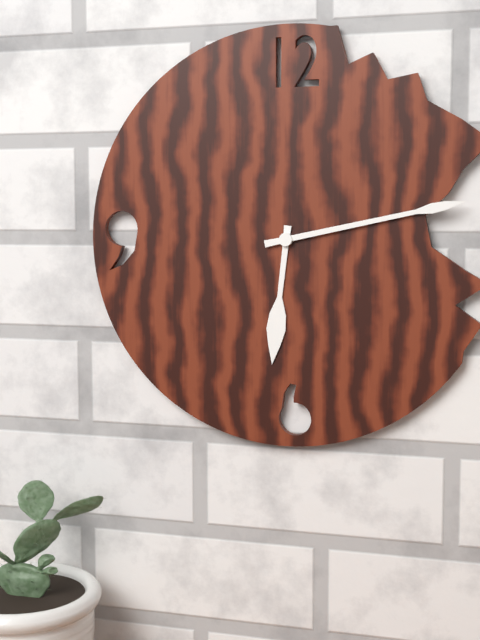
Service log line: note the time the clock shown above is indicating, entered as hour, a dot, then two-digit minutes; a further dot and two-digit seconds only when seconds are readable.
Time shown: 6.13
